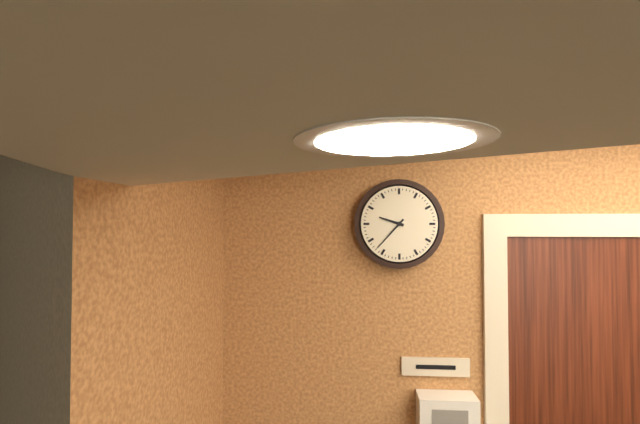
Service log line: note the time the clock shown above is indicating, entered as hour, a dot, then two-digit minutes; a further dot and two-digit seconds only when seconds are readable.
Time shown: 9.37
